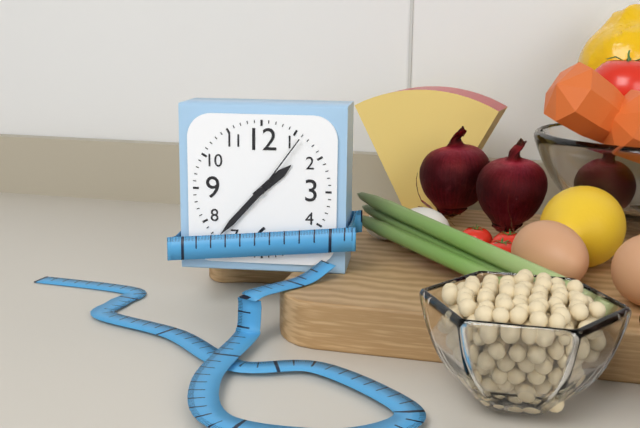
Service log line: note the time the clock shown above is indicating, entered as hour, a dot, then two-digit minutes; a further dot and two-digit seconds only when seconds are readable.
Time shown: 1.37.06
